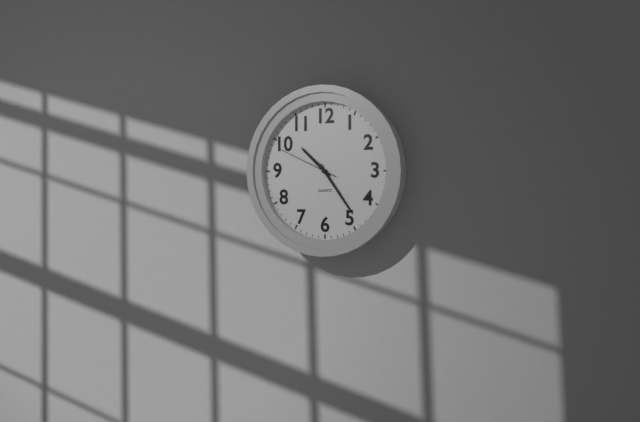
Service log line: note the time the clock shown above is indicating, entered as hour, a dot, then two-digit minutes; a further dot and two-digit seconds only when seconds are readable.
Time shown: 10.24.49
